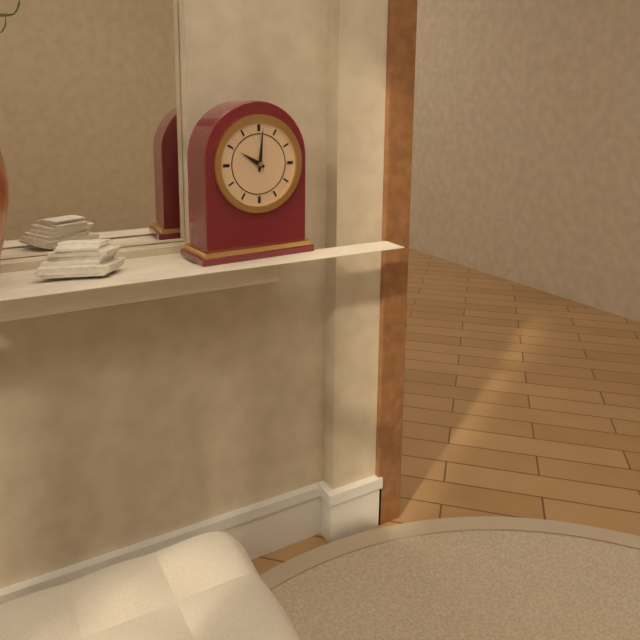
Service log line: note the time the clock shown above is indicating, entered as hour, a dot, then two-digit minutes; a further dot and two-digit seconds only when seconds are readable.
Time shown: 10.01
